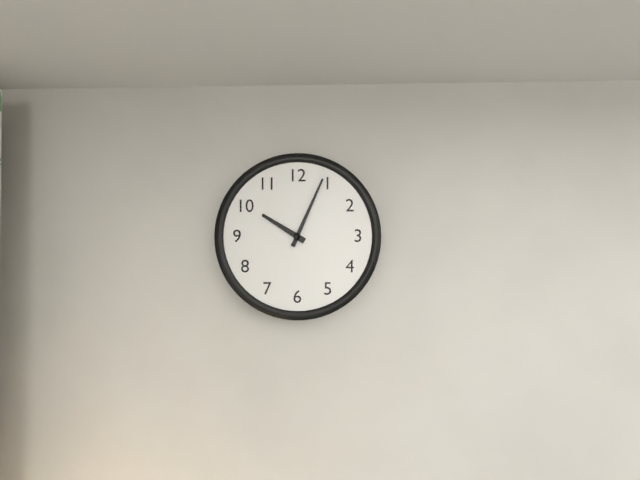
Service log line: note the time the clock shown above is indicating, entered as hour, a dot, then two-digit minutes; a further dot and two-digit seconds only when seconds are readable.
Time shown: 10.04
